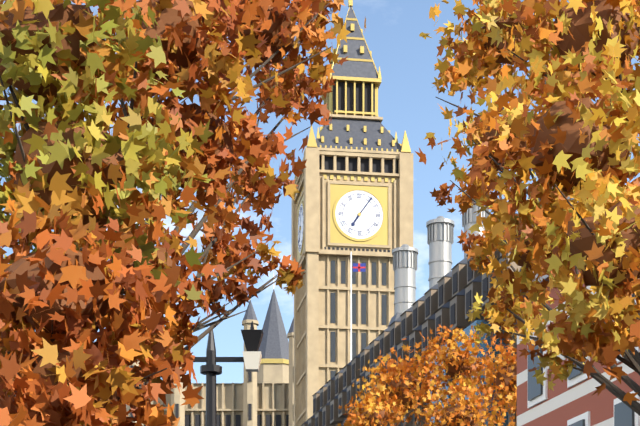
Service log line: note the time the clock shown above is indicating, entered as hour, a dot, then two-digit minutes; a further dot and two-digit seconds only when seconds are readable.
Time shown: 7.06
